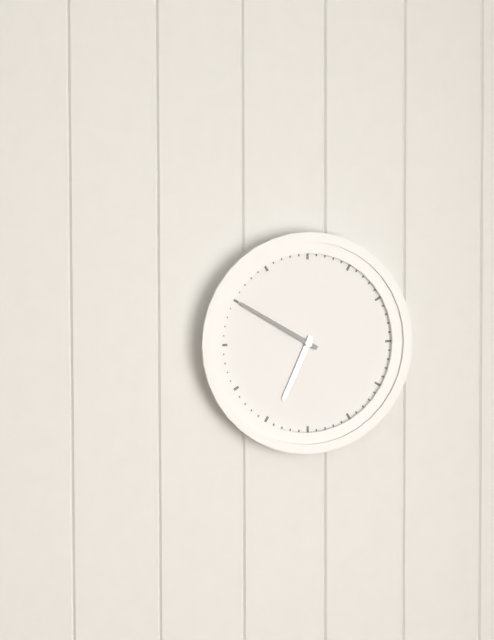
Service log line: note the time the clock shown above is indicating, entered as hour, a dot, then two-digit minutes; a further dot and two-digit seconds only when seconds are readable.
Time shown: 6.50
